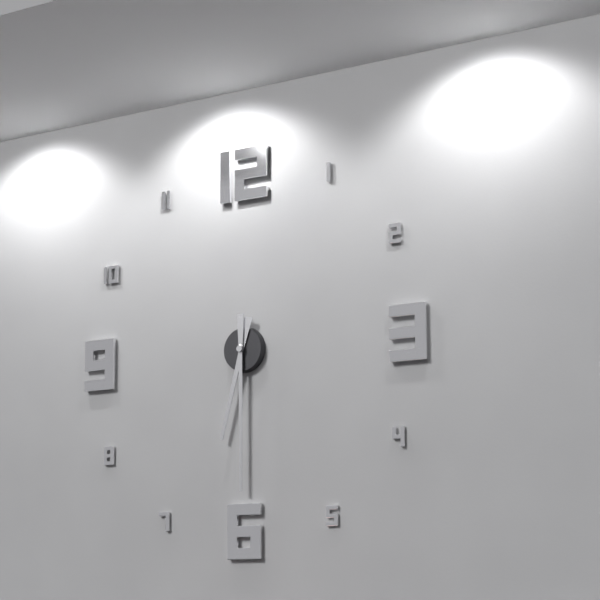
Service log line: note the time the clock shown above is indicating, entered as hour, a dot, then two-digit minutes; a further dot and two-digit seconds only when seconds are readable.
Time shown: 6.30
